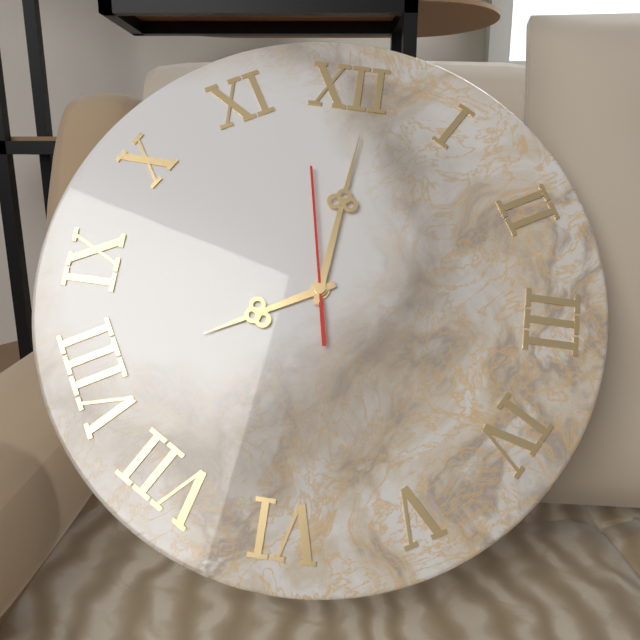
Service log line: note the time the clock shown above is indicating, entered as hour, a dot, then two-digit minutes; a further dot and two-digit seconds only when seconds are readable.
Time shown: 8.01.58
